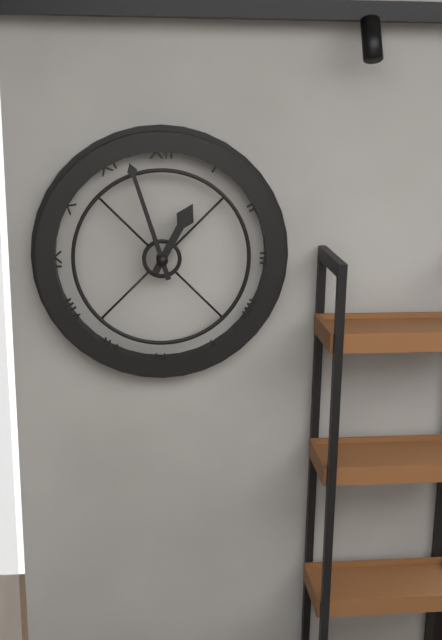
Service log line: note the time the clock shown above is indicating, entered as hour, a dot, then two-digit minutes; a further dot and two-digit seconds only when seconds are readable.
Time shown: 12.57
